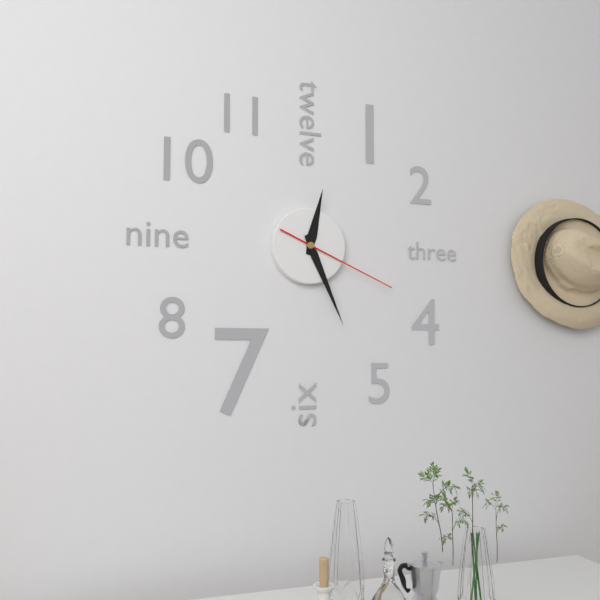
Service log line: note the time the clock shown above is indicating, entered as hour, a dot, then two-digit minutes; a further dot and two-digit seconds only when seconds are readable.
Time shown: 12.26.19
